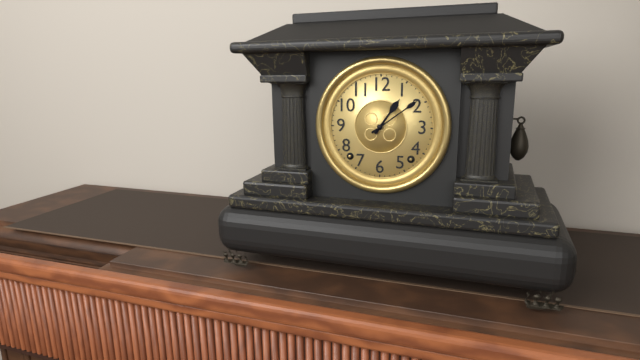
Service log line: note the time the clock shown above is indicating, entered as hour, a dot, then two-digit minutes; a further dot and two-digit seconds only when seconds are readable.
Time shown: 1.09
